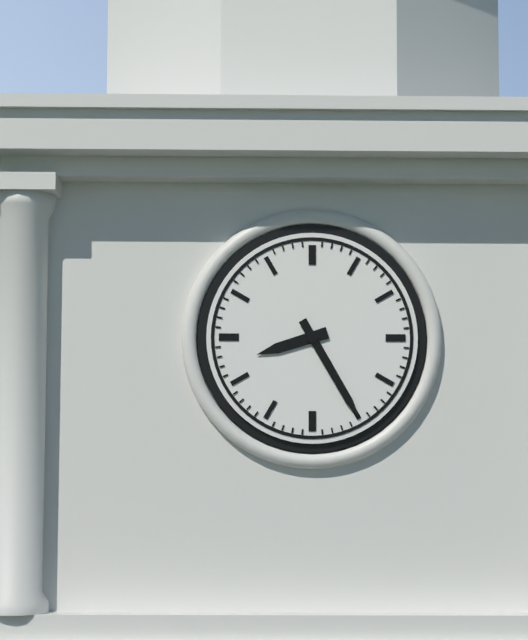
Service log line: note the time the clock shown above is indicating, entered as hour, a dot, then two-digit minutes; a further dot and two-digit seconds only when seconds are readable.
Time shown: 8.25
